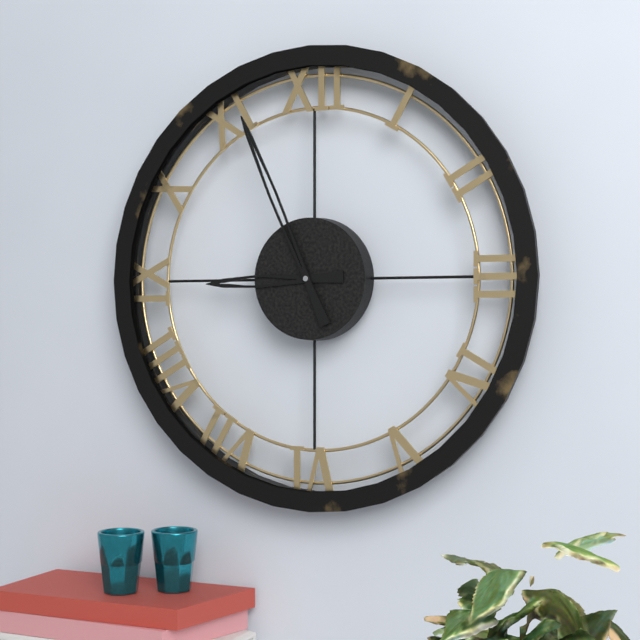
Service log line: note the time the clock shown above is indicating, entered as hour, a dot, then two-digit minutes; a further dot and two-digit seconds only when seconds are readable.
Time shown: 8.56
